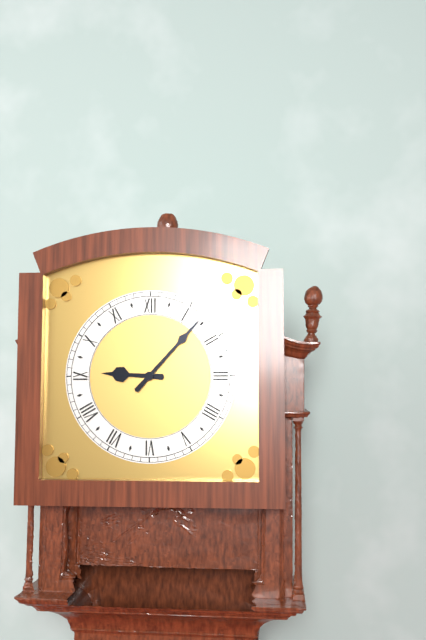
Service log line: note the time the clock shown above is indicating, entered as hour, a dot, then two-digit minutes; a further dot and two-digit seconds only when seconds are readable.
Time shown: 9.07
